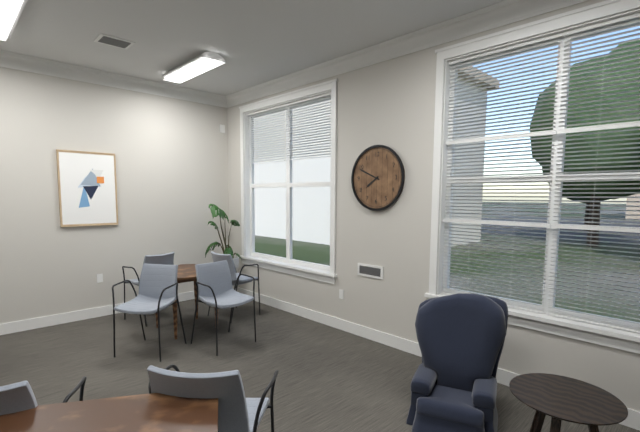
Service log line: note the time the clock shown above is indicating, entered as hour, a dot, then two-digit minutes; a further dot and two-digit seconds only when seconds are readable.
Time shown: 7.49
